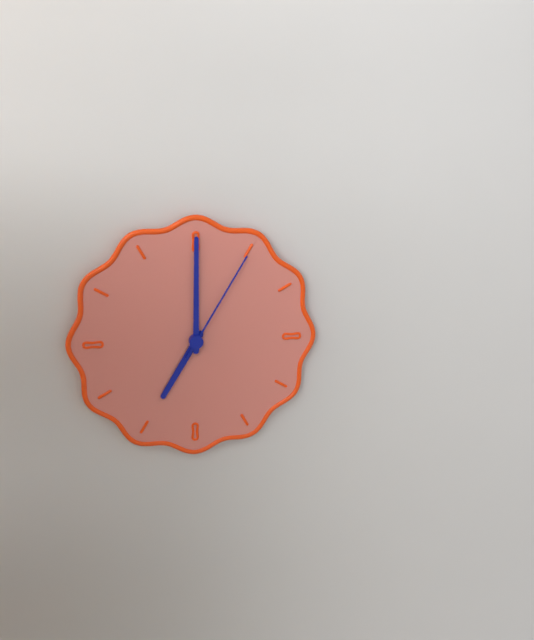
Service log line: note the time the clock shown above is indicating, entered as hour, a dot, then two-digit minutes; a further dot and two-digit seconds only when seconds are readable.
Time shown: 7.00.05
